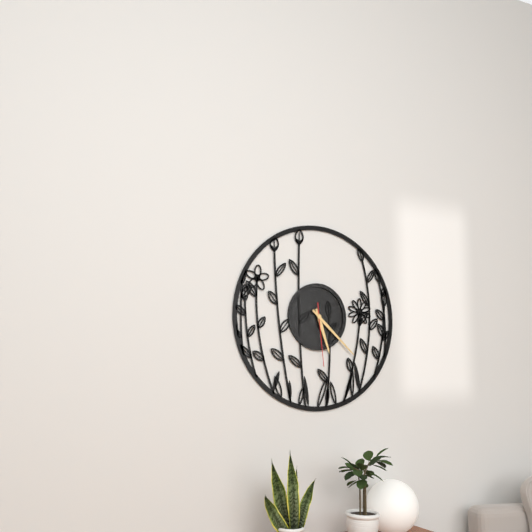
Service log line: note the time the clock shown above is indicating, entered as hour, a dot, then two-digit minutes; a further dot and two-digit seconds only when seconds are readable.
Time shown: 5.22.29
